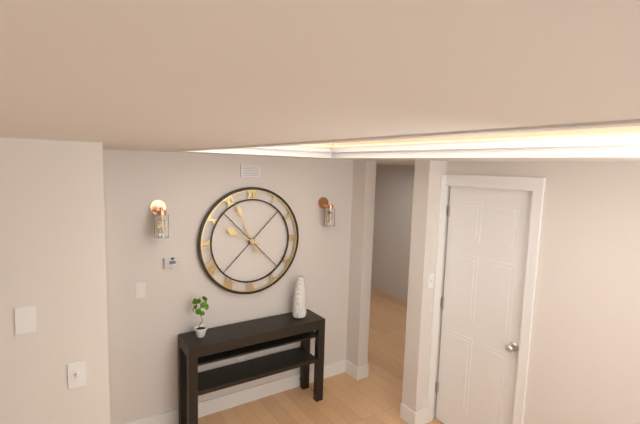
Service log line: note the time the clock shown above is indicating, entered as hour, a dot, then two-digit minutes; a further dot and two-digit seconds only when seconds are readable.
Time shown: 9.56
